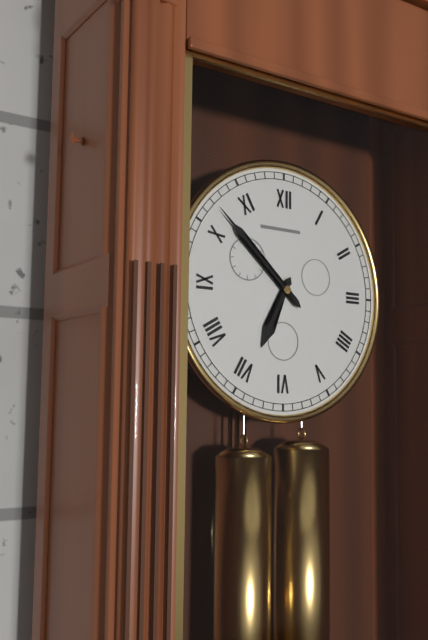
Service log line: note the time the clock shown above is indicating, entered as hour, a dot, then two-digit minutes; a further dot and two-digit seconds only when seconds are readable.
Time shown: 6.52
